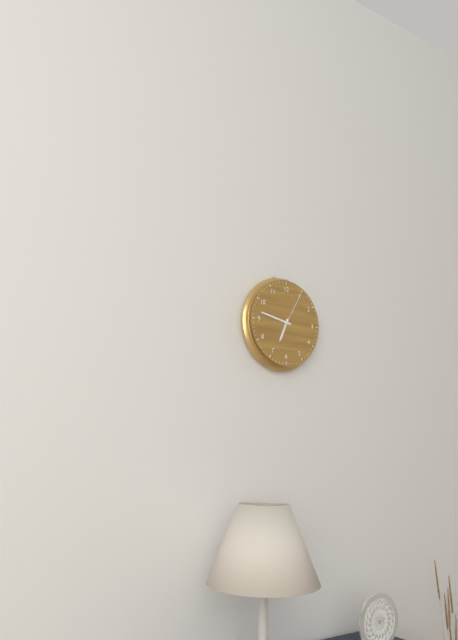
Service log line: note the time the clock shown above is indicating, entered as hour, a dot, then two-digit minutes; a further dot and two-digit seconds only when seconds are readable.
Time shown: 6.47
